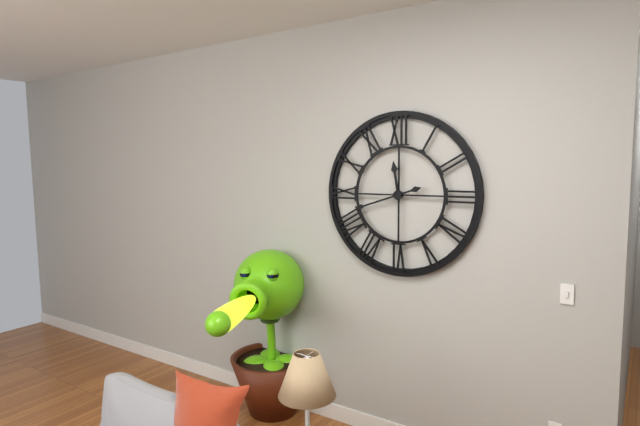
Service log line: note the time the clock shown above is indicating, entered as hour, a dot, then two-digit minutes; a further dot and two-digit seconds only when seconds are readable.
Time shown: 11.42
